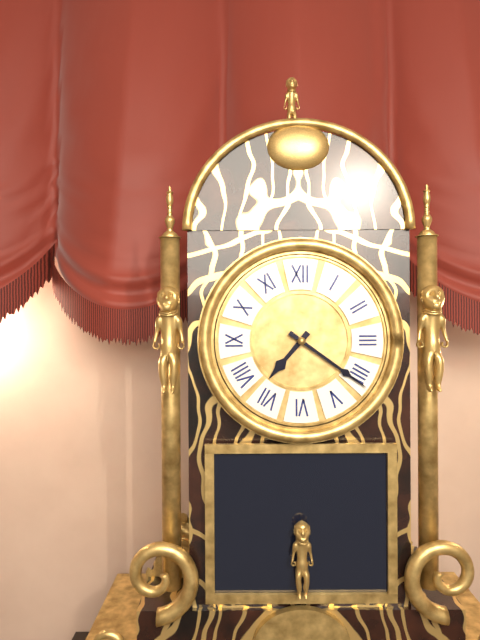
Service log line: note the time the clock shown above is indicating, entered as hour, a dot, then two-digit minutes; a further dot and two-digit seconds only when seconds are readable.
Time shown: 7.21
